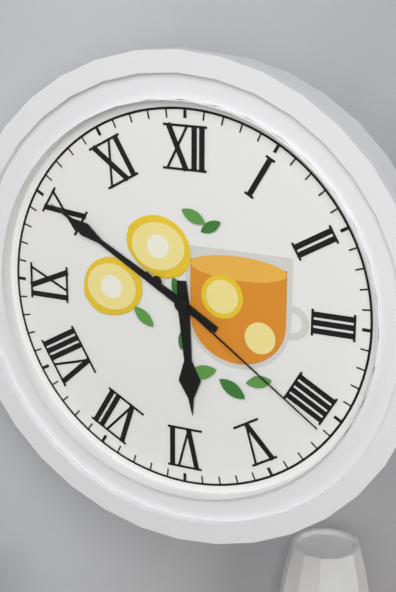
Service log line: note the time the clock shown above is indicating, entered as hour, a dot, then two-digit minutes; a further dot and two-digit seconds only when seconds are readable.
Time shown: 5.50.21
